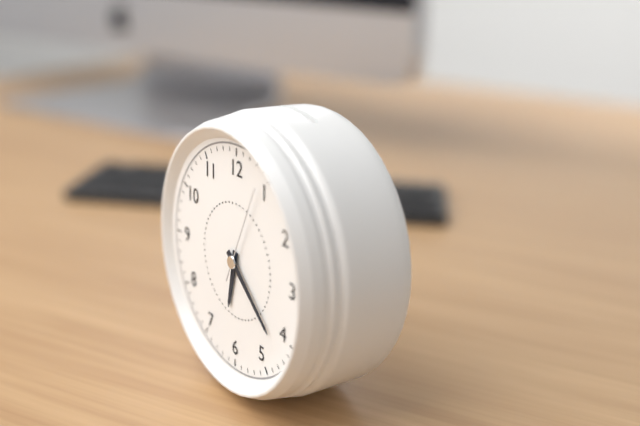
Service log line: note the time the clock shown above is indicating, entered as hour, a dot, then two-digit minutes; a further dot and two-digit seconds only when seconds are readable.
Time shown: 6.22.04
